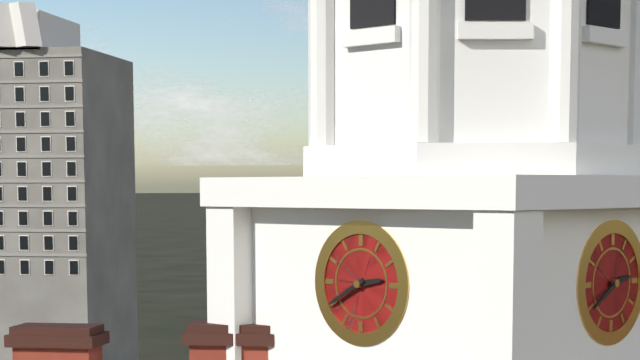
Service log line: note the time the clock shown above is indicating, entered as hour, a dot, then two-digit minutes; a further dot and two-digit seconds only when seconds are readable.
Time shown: 2.40
